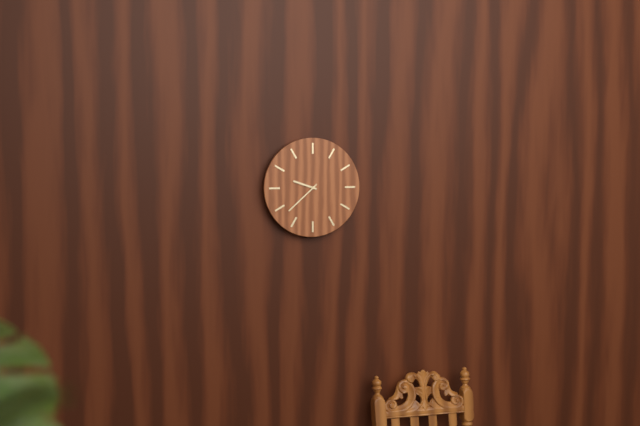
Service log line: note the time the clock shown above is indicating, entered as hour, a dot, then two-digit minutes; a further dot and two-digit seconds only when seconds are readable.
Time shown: 9.38
